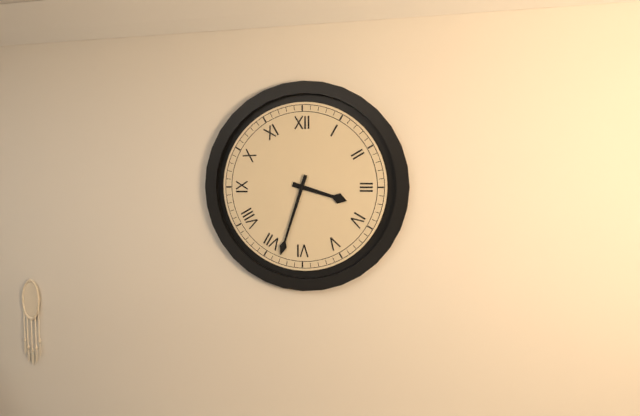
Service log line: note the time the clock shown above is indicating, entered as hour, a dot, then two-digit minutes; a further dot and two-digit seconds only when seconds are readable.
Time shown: 3.33
